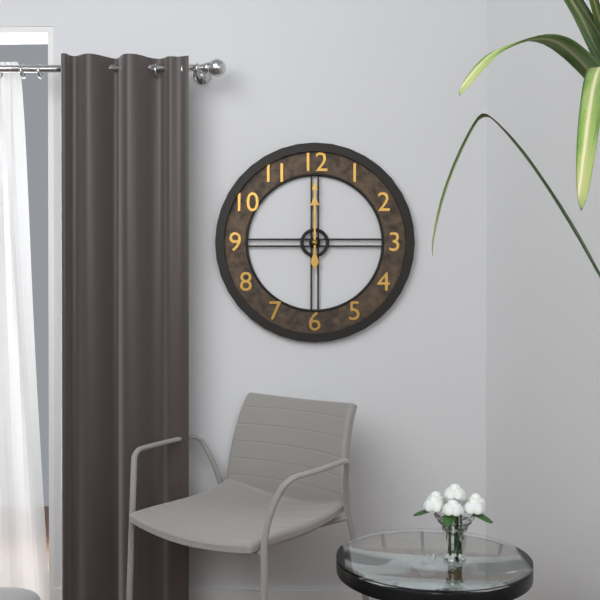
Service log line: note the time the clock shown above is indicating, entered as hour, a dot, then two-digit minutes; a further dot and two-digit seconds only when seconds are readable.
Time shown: 12.00
